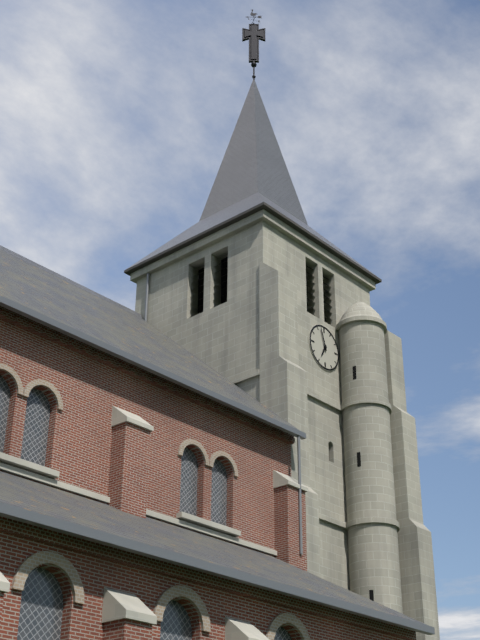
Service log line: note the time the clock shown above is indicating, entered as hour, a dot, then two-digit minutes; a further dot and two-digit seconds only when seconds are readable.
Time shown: 6.57
